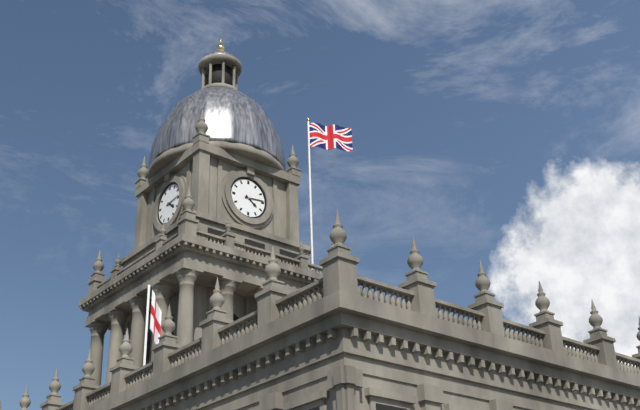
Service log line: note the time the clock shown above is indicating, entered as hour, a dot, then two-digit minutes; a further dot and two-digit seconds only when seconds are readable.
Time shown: 4.14
